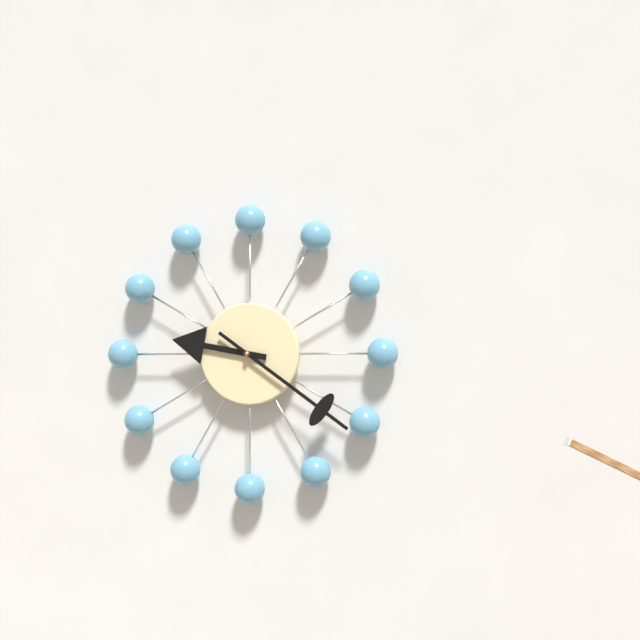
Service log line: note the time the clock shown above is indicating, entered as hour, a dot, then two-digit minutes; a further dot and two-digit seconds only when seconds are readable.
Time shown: 9.21
